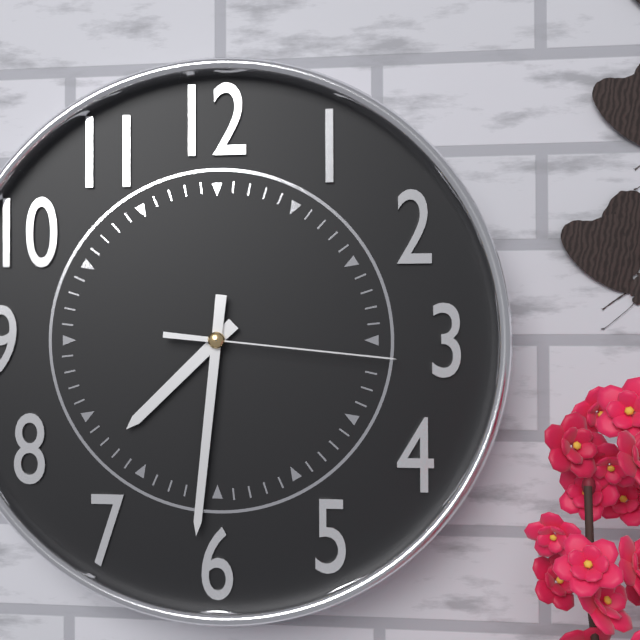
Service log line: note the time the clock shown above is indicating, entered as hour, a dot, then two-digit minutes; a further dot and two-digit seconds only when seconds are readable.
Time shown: 7.31.16
